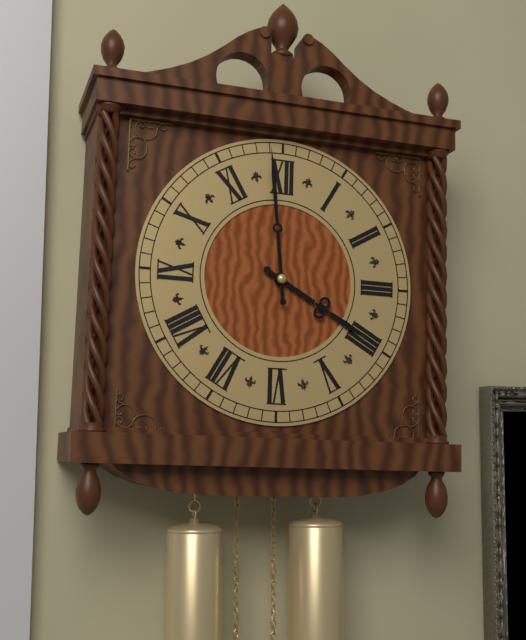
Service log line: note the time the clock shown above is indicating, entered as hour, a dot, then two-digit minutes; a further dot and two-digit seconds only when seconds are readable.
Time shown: 3.59
